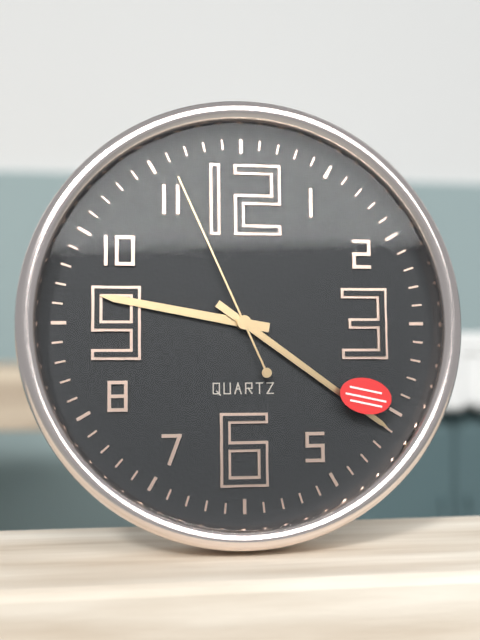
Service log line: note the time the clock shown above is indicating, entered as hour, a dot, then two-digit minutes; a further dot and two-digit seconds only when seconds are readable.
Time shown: 9.21.56
